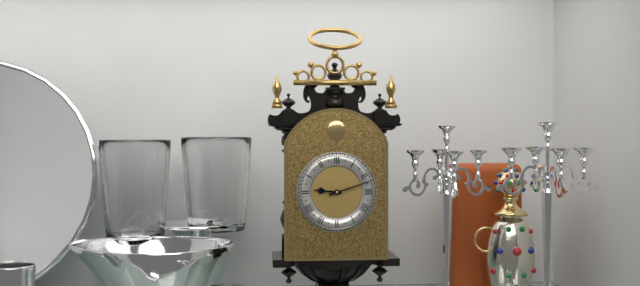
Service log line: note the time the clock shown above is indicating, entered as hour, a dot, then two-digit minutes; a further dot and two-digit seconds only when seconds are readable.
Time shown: 9.12
